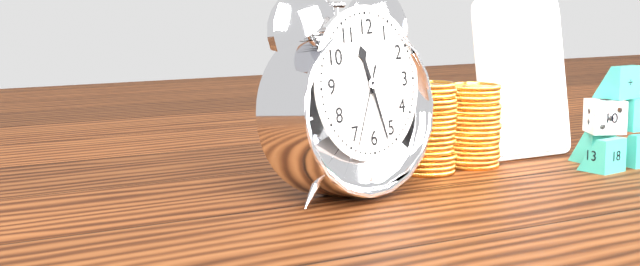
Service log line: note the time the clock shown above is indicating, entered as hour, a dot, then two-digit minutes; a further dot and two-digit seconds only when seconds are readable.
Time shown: 11.27.34
